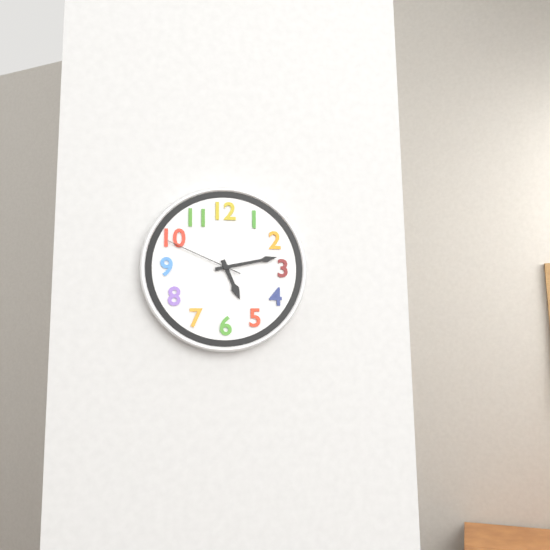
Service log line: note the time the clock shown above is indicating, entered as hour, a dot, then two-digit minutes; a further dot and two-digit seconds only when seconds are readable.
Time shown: 5.13.49
